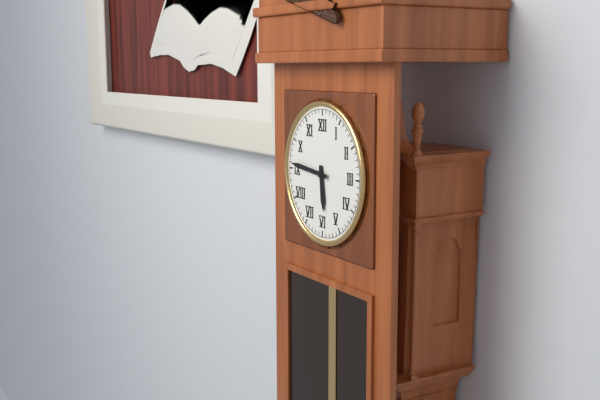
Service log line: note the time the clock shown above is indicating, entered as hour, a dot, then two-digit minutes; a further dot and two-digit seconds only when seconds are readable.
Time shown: 5.46
